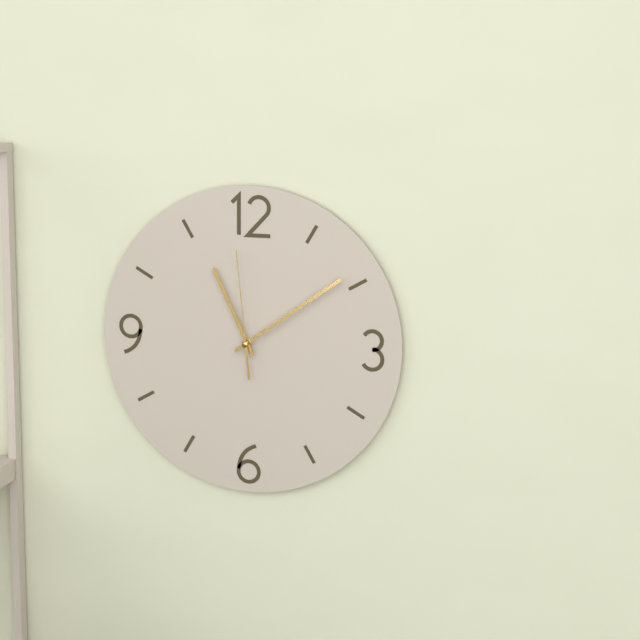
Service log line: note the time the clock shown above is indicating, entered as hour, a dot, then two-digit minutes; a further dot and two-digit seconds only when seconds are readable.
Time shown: 11.09.59
